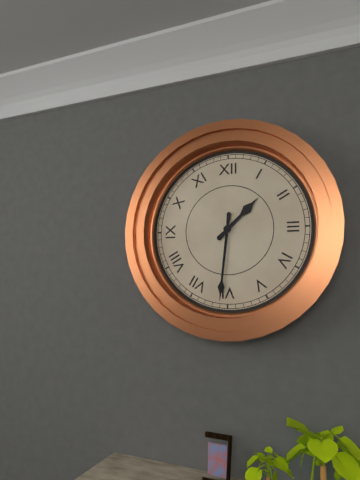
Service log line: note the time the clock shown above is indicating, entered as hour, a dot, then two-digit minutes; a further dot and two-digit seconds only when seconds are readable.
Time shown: 1.31
